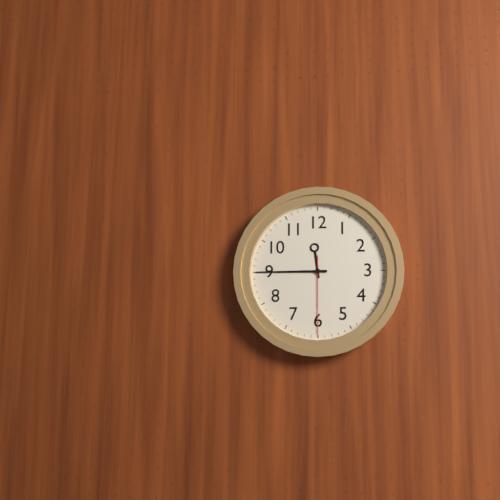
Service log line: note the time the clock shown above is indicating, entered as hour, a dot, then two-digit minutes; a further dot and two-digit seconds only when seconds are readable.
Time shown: 11.45.30
